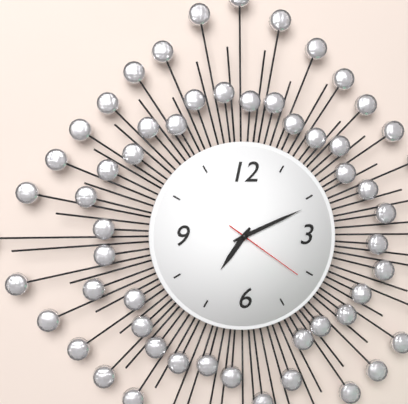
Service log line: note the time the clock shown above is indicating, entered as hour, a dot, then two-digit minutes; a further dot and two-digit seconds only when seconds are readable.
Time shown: 7.11.21
